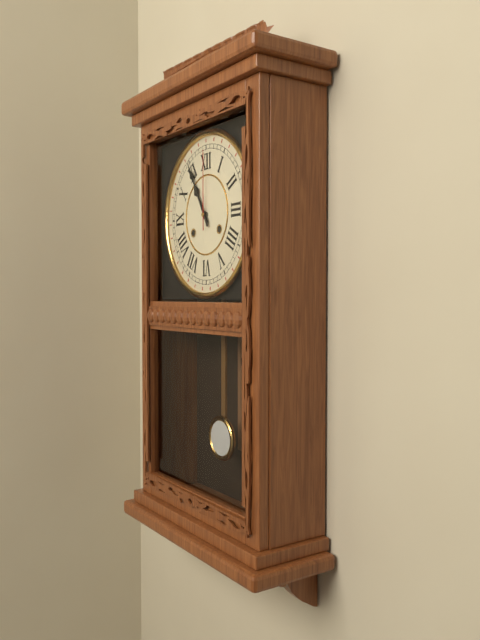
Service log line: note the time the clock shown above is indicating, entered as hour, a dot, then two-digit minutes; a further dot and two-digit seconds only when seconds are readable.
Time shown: 10.55.00
